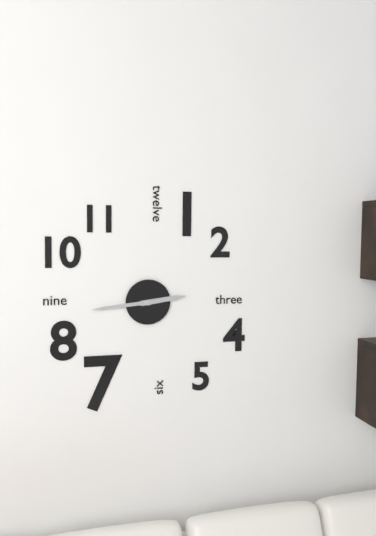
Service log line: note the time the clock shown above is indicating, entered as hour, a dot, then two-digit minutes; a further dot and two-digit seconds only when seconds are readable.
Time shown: 2.44
